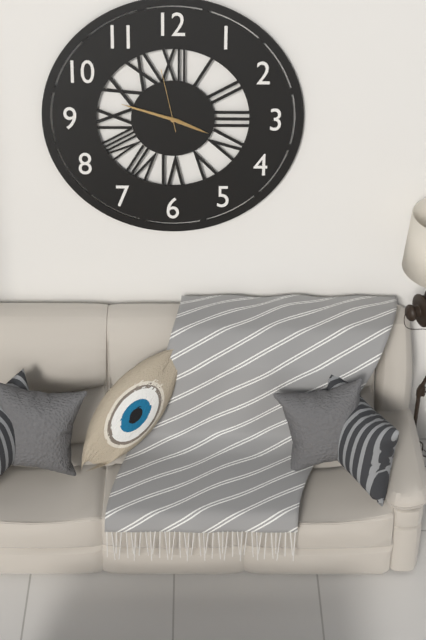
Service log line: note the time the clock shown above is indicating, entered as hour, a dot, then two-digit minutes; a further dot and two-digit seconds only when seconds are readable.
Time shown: 3.48.58
